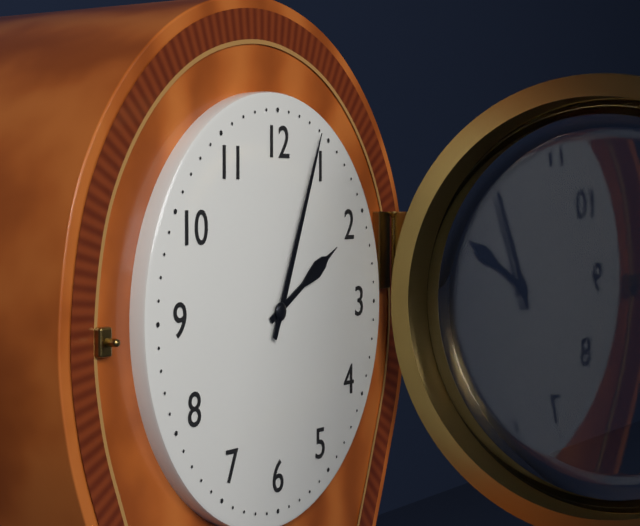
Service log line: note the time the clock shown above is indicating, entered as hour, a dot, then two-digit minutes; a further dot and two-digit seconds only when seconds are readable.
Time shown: 2.04
